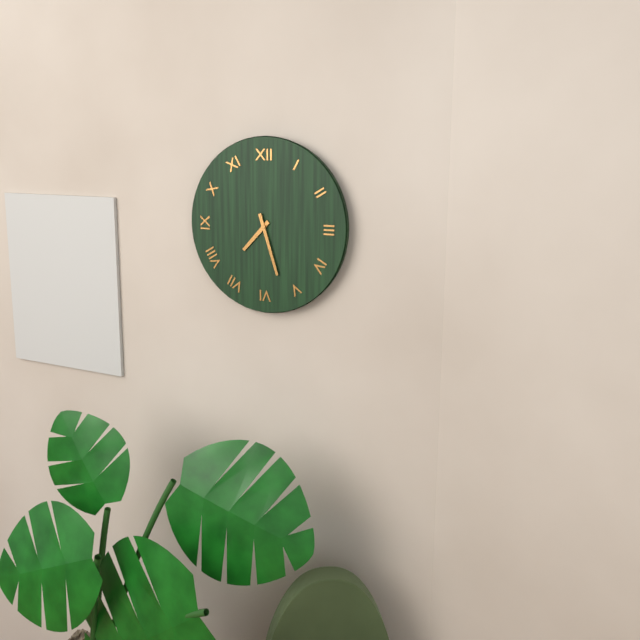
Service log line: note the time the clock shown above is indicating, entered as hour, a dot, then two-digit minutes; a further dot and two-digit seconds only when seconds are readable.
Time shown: 7.27
